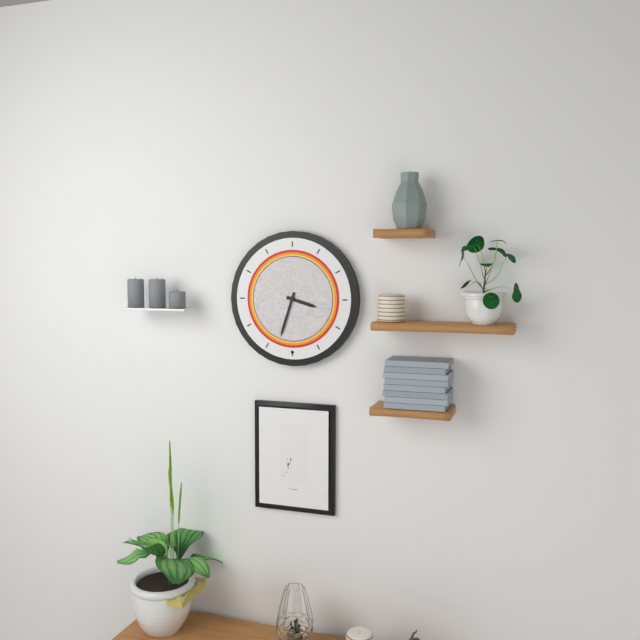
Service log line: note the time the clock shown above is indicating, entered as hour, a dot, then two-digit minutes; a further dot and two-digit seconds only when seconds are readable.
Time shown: 3.33
